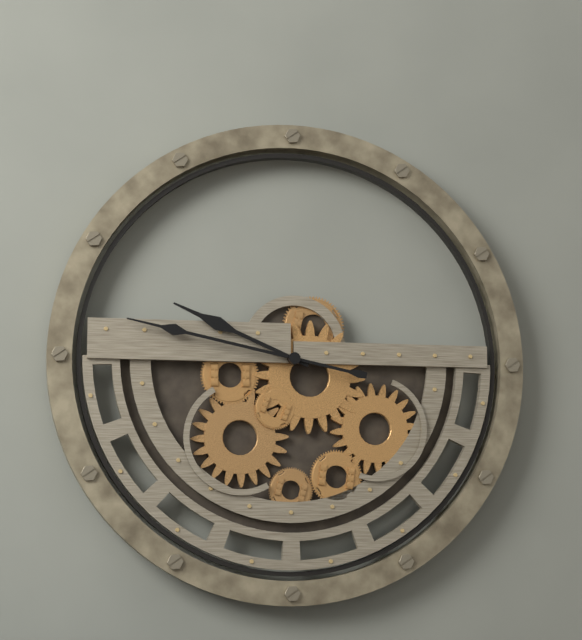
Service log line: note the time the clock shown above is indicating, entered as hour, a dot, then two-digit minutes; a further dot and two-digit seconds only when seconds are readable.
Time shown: 9.47
